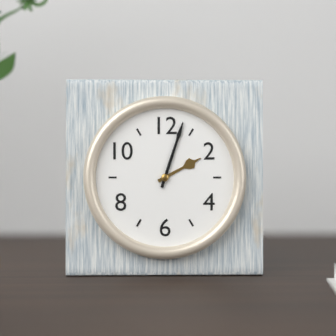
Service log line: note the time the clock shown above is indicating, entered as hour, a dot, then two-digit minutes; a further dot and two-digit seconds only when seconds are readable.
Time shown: 2.03
